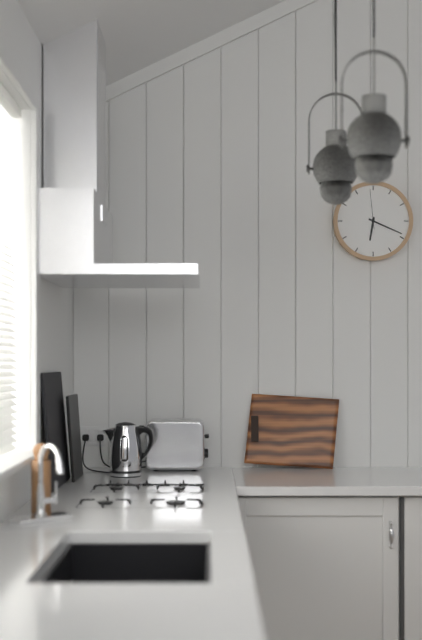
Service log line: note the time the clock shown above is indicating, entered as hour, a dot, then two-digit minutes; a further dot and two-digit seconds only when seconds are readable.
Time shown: 6.19
